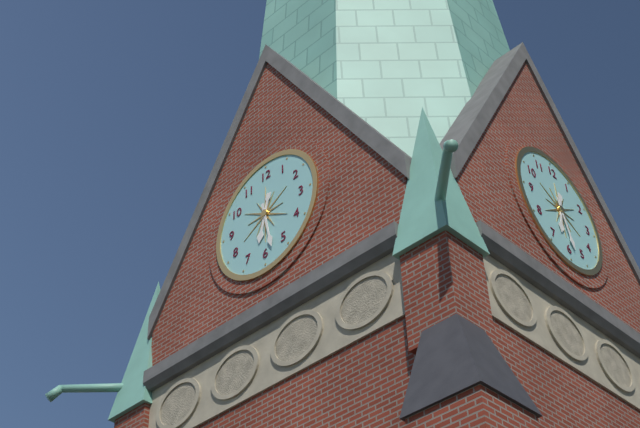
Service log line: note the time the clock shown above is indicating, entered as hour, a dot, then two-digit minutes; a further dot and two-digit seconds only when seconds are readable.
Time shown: 6.28
